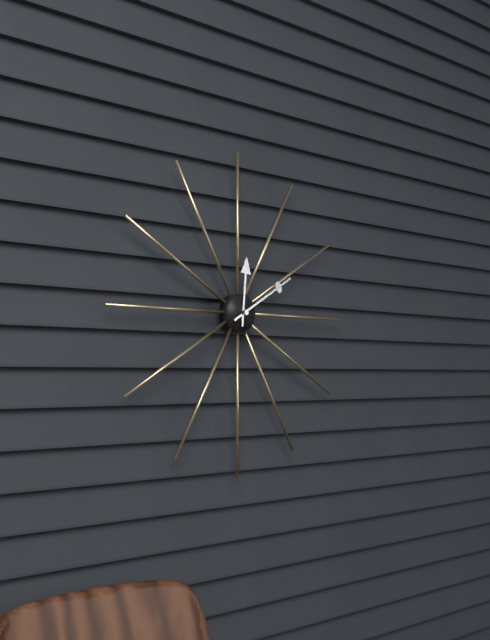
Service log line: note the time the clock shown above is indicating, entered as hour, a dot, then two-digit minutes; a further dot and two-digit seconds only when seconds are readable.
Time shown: 12.10
